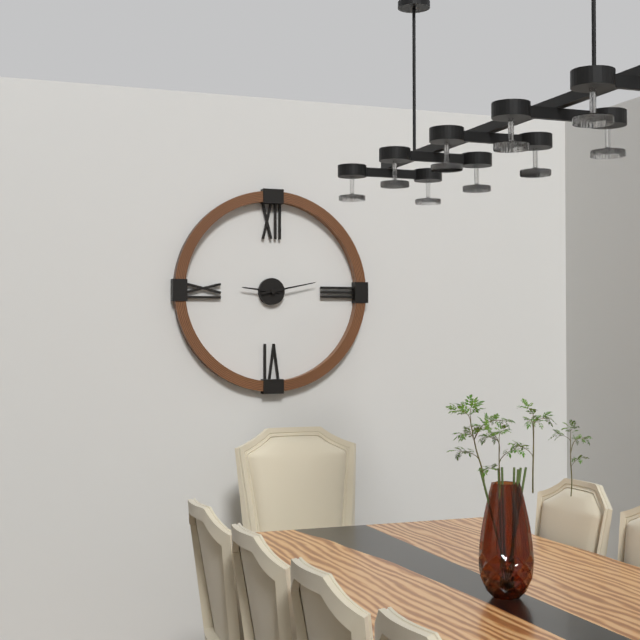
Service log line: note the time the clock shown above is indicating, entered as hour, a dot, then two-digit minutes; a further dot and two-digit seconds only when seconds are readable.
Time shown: 9.13
